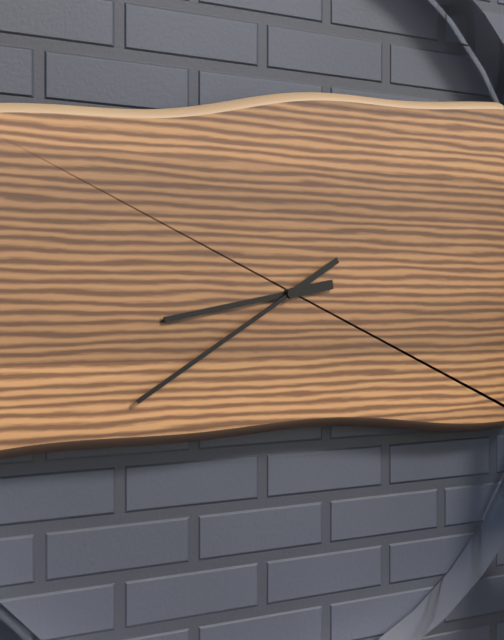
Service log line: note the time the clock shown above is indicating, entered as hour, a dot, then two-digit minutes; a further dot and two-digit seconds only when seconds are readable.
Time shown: 8.40
